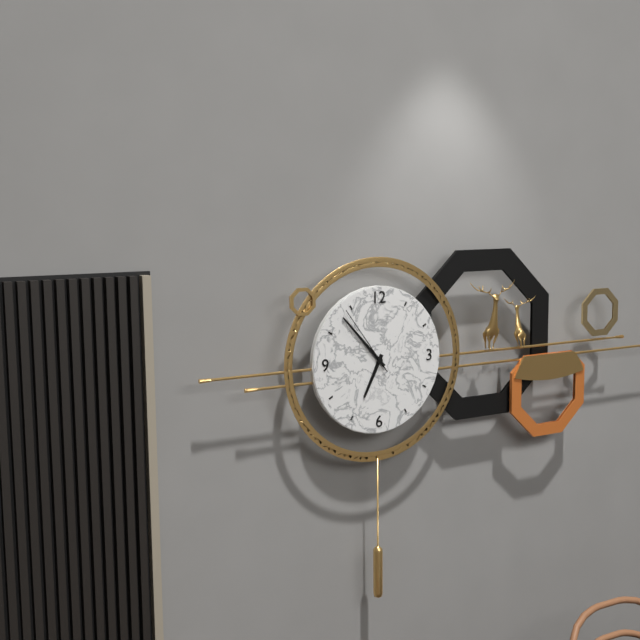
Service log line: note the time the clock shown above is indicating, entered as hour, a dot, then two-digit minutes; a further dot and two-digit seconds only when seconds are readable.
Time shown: 6.53.54
